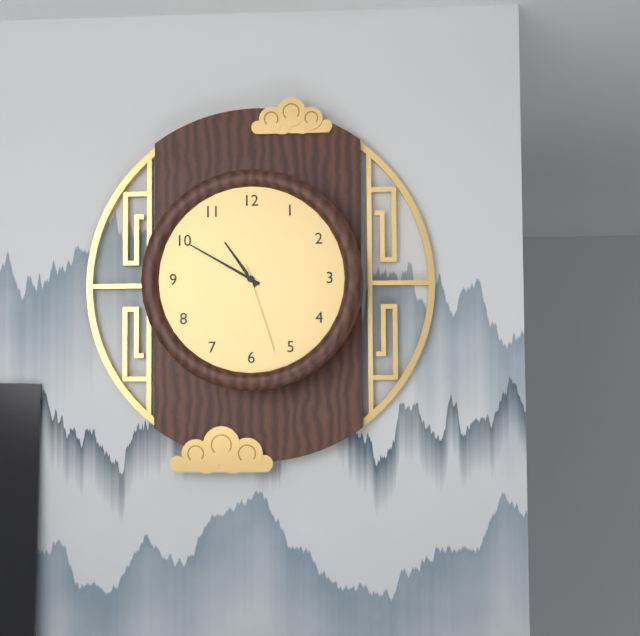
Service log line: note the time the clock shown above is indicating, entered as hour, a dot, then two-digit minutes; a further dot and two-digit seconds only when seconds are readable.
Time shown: 10.50.27
